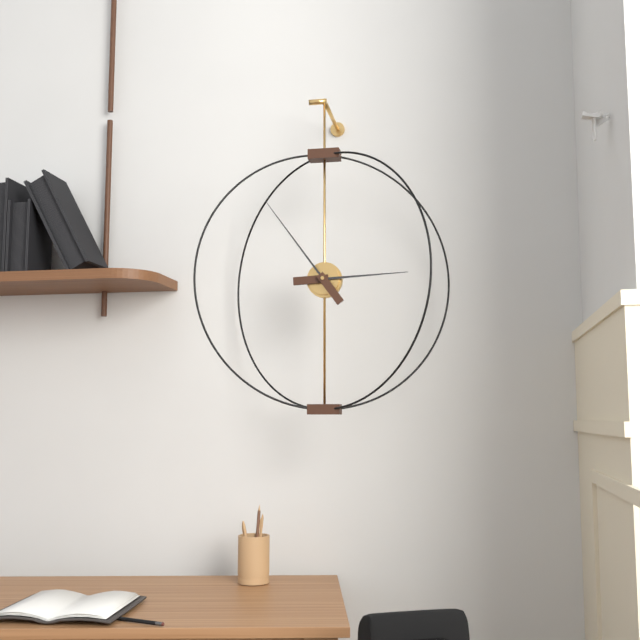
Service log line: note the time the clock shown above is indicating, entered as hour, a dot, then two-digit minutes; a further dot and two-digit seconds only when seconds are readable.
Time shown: 2.54
